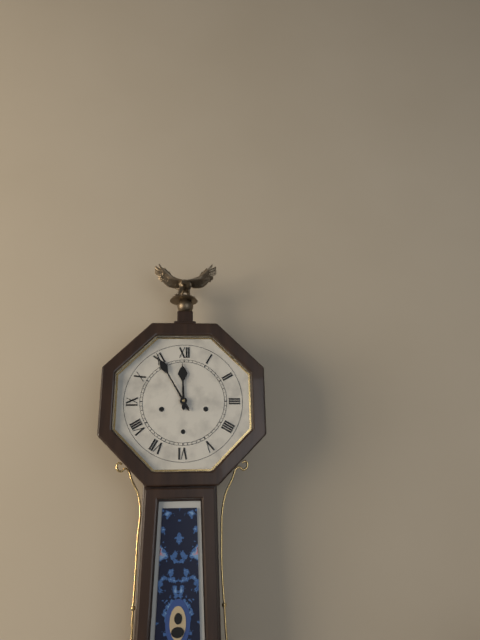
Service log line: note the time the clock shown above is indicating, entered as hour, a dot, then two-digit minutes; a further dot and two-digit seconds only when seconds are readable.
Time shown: 11.55
